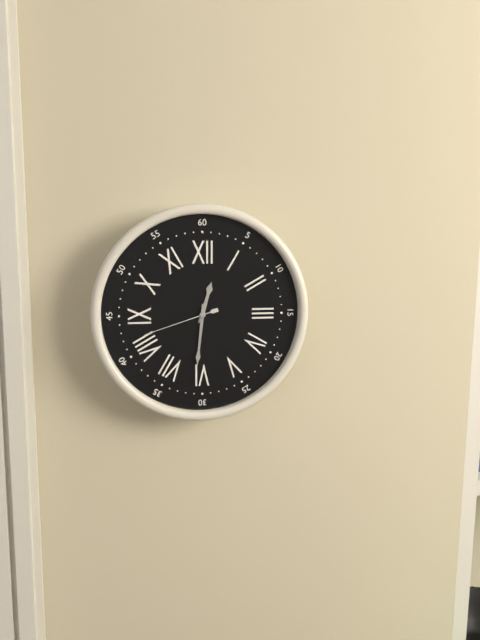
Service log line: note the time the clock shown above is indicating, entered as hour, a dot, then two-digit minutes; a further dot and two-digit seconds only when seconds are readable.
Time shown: 12.31.42
